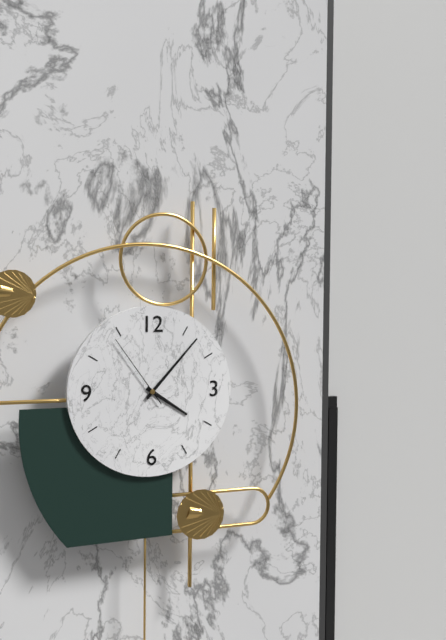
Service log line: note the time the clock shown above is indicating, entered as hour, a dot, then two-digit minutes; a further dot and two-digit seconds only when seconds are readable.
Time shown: 4.07.54
